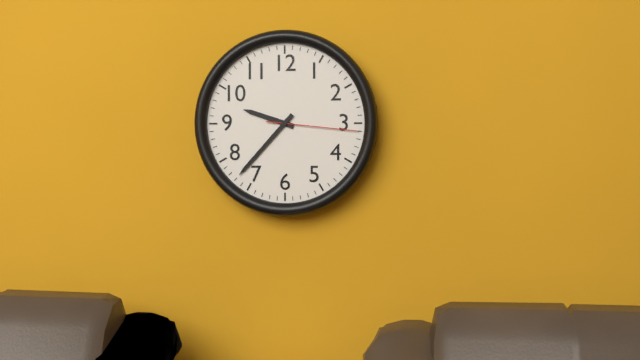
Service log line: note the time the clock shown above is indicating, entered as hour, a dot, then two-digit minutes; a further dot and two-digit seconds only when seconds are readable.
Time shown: 9.37.16
